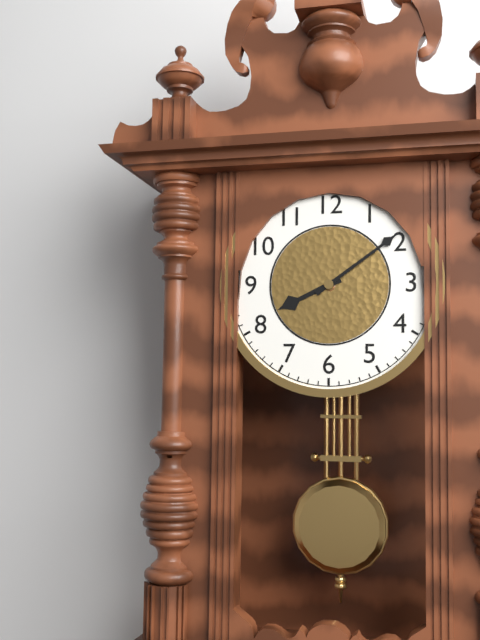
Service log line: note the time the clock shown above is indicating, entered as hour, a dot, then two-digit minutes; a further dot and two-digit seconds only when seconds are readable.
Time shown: 8.09
